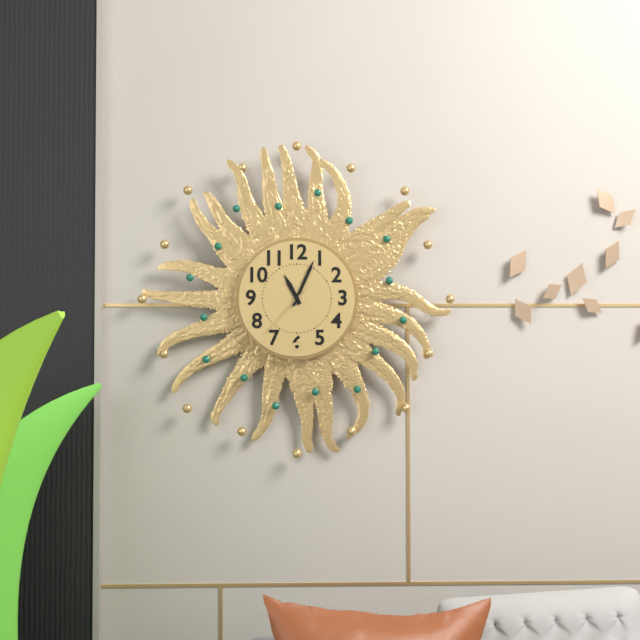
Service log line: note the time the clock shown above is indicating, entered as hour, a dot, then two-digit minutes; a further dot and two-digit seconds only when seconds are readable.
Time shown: 11.04.37
